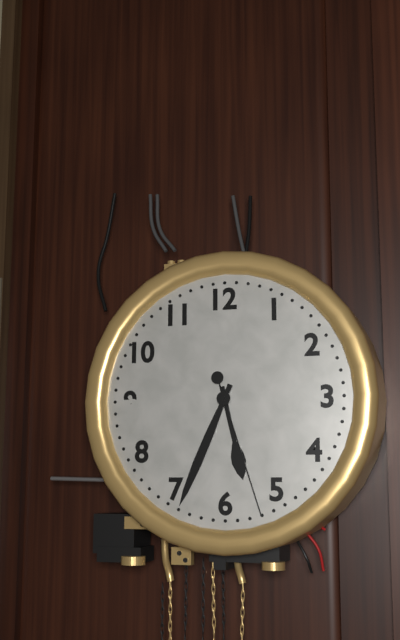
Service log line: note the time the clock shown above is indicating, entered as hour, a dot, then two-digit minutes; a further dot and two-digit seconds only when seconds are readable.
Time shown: 5.34.27
